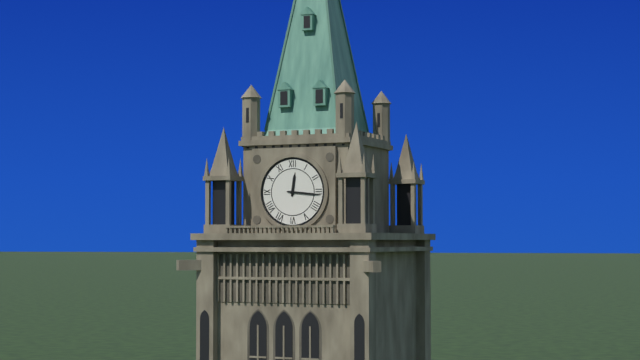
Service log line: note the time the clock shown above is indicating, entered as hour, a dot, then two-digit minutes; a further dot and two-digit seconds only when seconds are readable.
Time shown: 12.16
